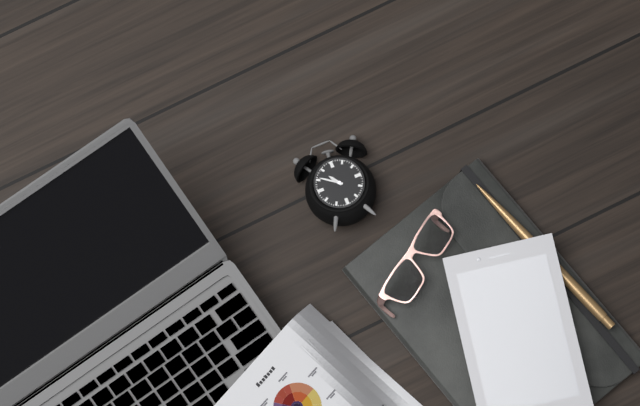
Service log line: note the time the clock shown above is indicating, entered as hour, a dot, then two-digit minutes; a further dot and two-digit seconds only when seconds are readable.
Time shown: 10.51
